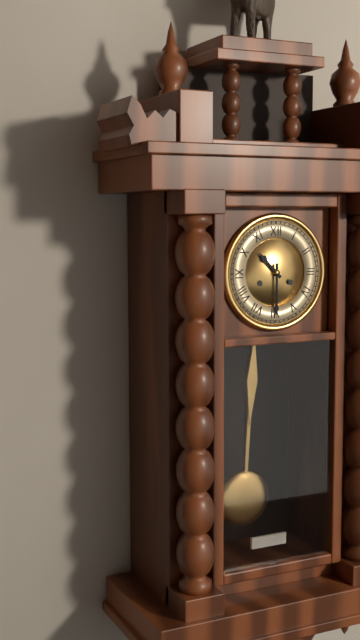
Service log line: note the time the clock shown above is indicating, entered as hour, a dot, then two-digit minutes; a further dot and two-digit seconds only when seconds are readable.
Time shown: 10.30
